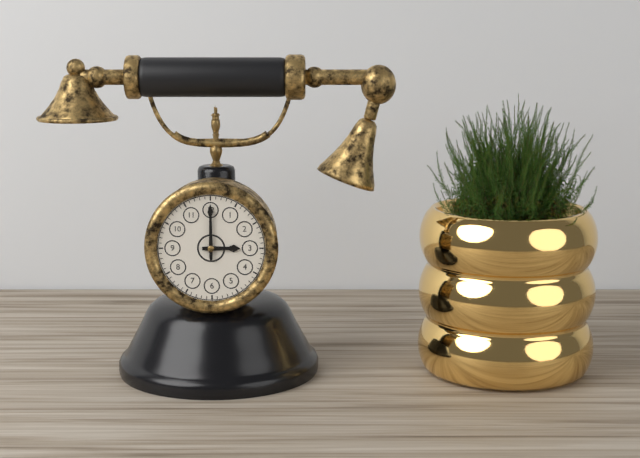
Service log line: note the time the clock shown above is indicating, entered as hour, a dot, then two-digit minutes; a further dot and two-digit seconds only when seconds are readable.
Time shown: 3.00
